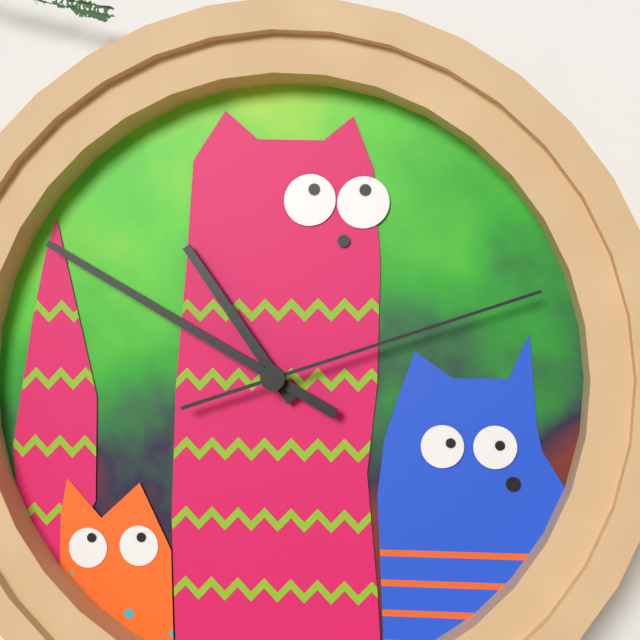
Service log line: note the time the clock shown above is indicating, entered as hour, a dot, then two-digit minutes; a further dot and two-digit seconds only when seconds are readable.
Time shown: 10.50.12
